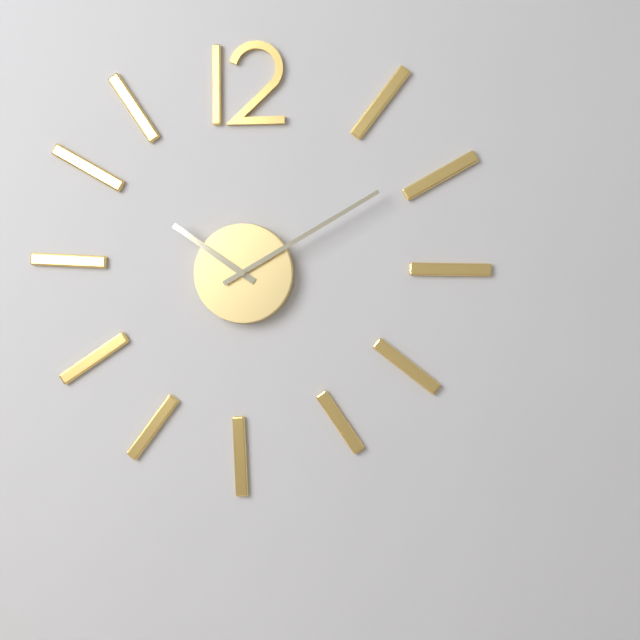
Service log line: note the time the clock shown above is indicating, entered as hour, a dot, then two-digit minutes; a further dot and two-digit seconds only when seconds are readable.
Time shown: 10.10
